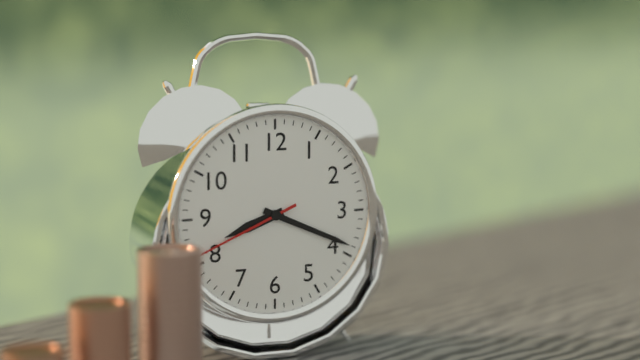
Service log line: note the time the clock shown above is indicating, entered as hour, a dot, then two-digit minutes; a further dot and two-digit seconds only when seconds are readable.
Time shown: 8.19.41
